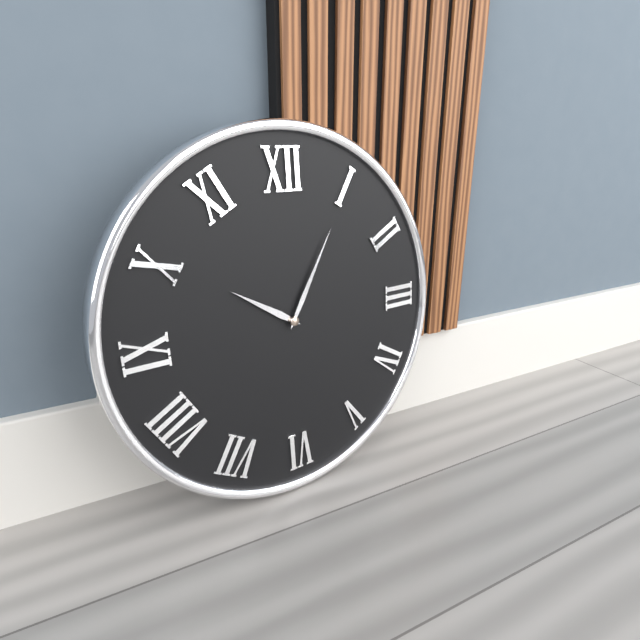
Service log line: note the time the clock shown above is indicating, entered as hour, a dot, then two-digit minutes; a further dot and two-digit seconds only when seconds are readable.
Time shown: 10.05
